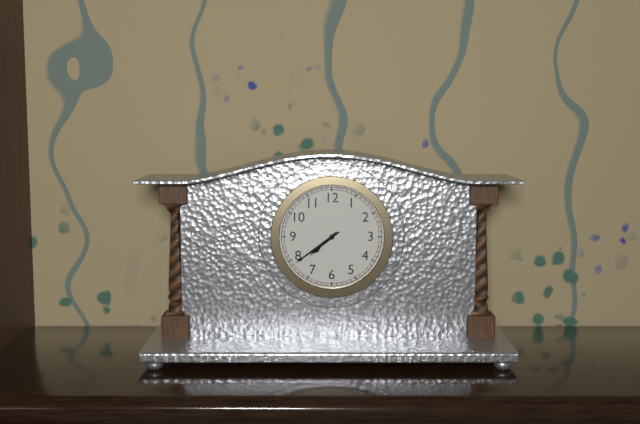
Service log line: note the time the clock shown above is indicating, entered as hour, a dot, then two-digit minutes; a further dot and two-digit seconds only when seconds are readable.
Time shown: 7.39
